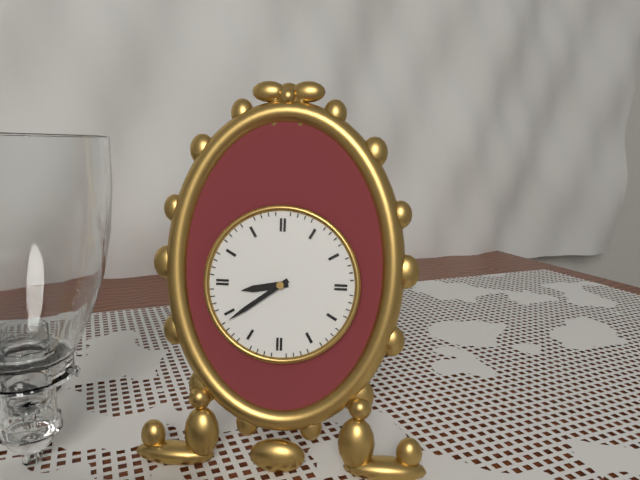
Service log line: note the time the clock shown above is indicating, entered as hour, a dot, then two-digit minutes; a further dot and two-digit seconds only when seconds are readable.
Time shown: 8.39
